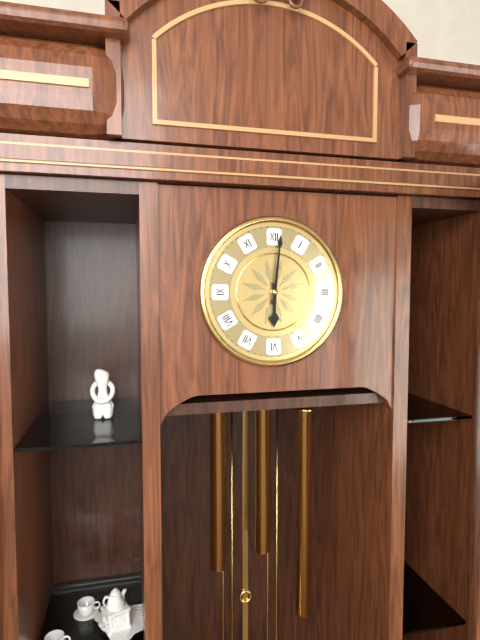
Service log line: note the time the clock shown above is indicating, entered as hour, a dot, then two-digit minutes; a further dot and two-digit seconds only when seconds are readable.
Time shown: 6.01
